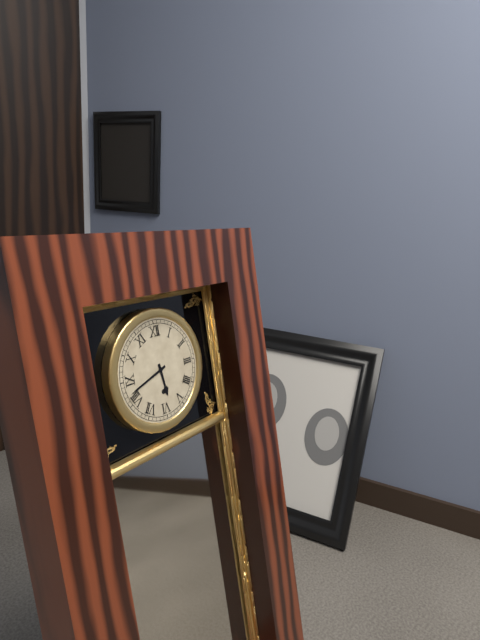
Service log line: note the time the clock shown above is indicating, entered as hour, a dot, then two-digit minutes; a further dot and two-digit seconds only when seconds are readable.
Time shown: 5.42
